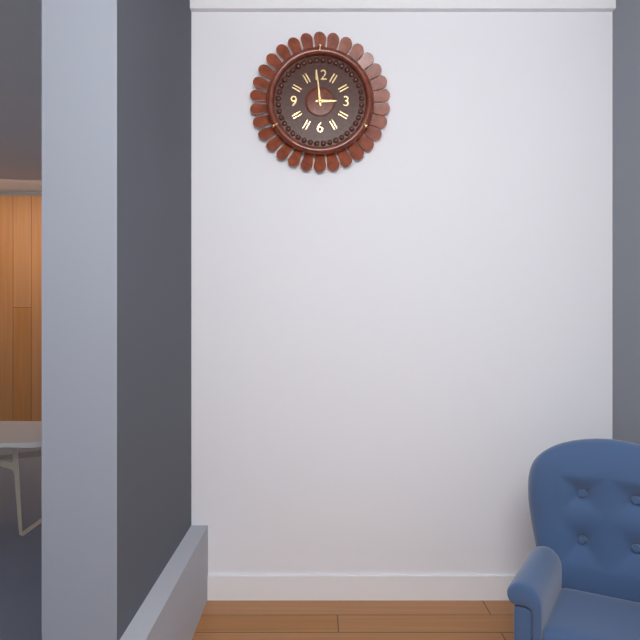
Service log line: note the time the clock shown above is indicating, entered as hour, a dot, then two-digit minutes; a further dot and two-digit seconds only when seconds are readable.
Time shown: 2.59
